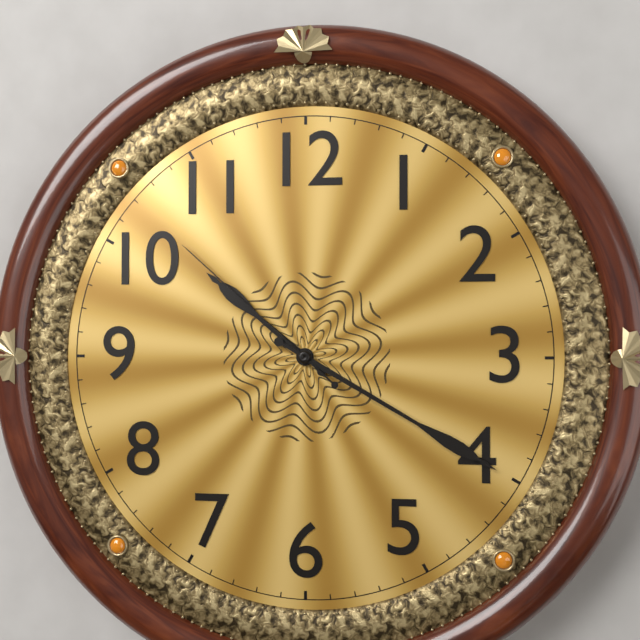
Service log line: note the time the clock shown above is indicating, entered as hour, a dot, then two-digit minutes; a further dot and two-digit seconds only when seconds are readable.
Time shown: 10.20.52
